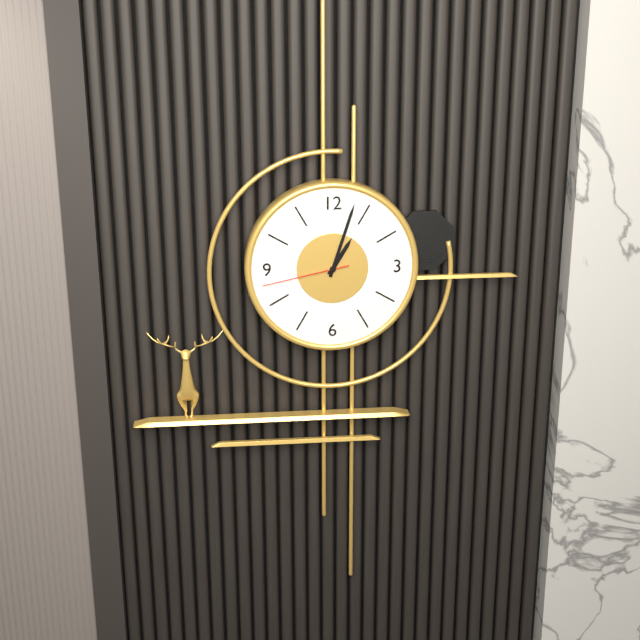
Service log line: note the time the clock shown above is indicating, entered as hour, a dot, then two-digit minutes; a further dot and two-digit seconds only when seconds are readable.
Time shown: 1.03.43
